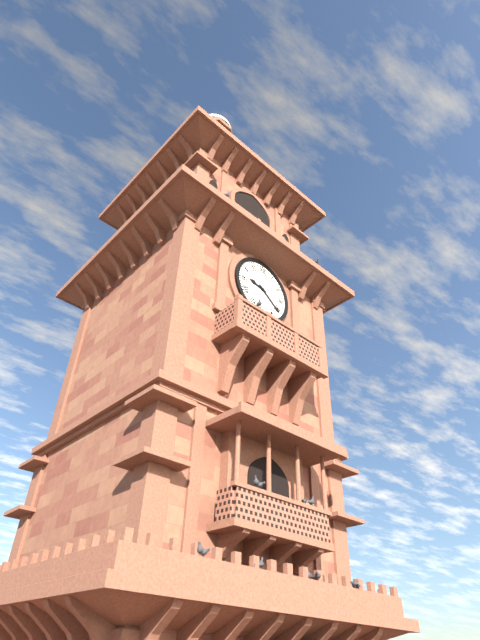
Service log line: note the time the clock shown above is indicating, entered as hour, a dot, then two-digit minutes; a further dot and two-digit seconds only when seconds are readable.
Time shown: 9.21
